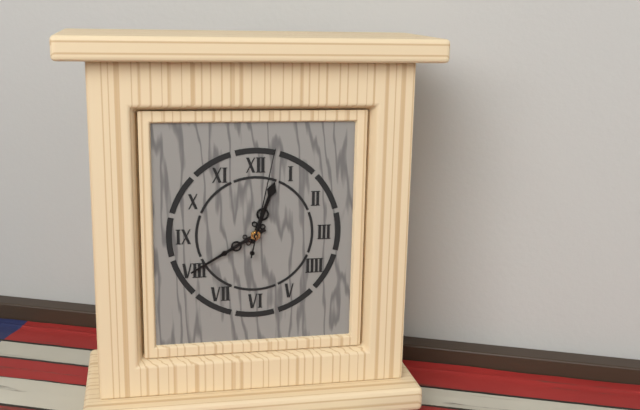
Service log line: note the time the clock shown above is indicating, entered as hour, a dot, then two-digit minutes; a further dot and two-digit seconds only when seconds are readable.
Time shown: 12.40.02
